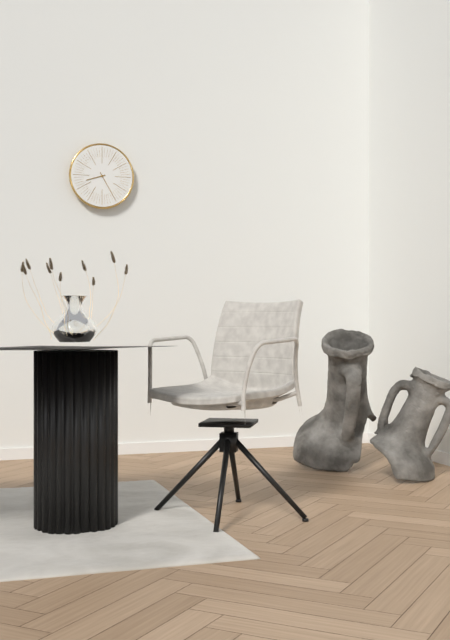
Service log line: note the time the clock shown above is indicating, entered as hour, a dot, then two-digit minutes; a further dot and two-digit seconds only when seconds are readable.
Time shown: 8.25
